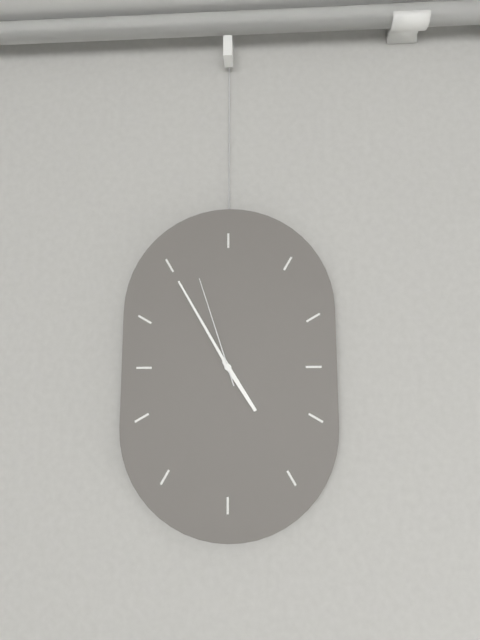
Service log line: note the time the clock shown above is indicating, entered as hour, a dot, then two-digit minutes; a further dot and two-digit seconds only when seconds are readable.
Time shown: 4.55.57
